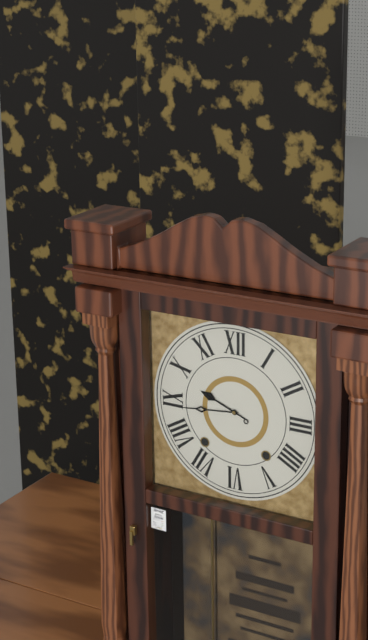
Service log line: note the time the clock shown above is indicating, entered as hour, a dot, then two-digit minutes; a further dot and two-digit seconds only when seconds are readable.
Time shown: 9.44
